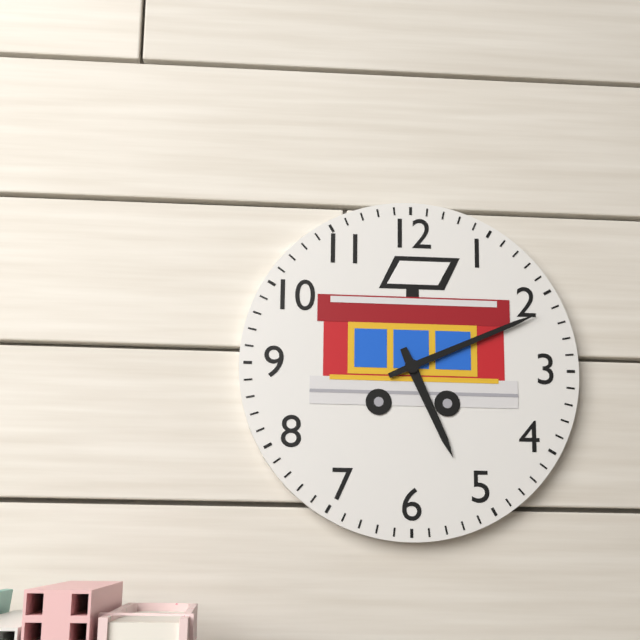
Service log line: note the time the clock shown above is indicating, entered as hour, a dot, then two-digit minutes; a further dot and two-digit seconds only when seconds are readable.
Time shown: 5.11
